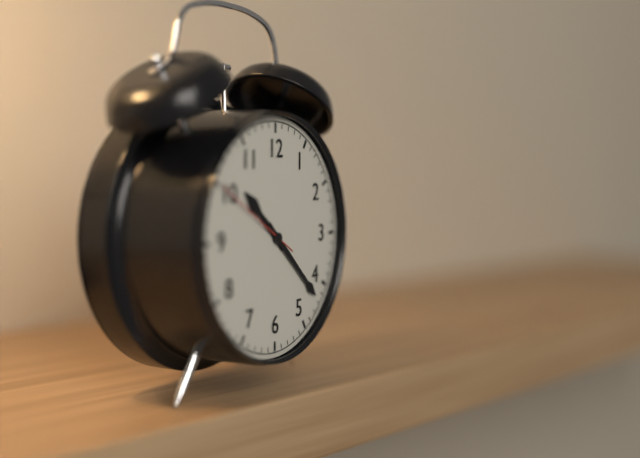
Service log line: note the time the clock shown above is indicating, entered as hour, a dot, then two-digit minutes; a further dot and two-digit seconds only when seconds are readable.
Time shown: 10.22.50
